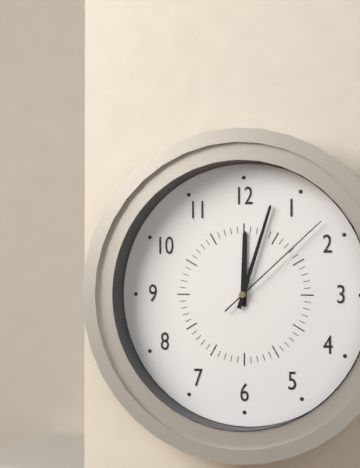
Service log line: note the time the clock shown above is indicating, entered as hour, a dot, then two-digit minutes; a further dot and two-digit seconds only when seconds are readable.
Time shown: 12.03.08
